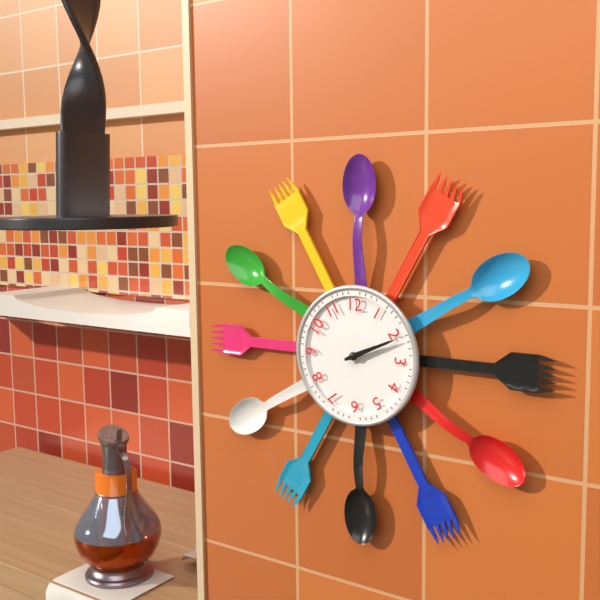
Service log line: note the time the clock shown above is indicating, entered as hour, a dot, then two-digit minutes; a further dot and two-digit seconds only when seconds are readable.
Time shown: 2.11
